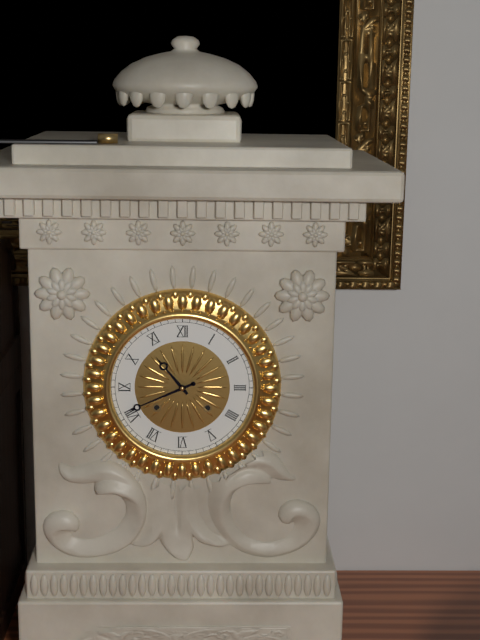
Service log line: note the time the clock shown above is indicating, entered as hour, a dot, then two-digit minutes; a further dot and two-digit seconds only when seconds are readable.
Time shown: 10.41
